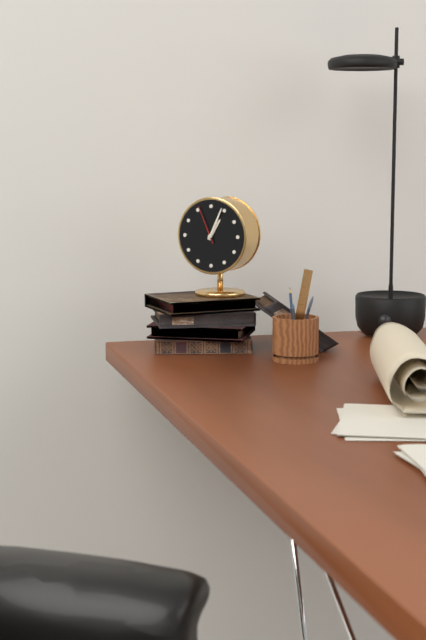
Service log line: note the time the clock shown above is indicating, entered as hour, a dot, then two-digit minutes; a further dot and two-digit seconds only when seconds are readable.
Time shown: 1.04
